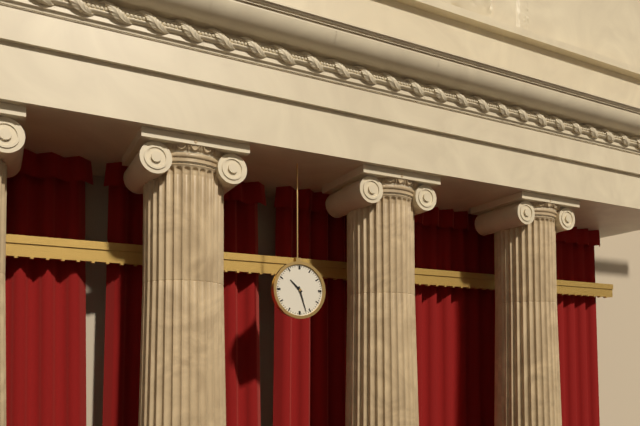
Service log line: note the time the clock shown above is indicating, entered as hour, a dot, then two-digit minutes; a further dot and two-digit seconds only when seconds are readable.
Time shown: 10.27
